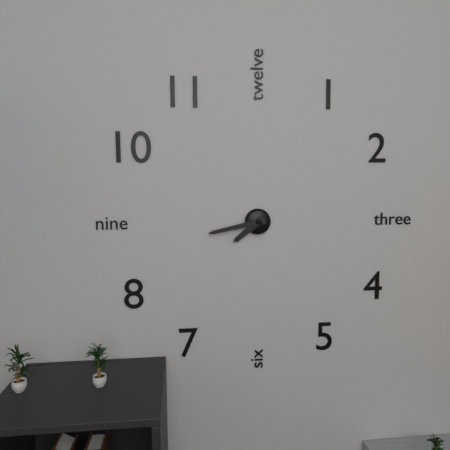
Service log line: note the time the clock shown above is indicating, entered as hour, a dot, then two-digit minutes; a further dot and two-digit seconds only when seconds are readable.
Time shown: 7.43
